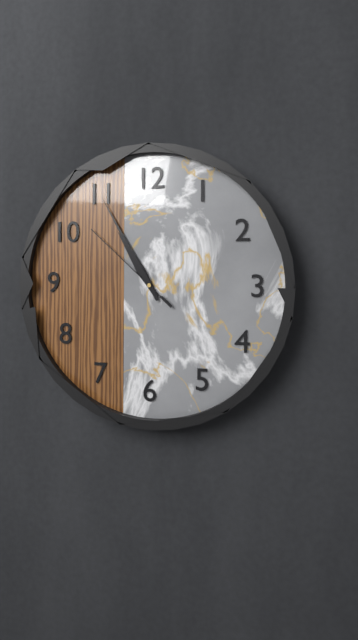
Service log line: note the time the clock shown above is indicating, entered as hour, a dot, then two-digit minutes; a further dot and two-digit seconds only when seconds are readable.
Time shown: 10.55.52
